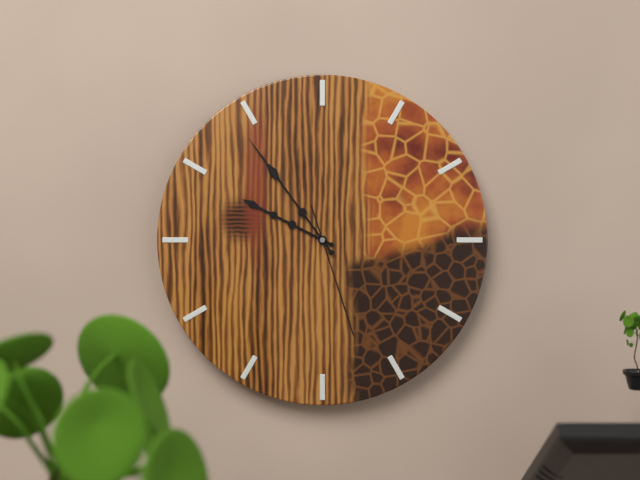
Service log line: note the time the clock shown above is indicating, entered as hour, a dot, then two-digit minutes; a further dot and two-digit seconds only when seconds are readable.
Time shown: 9.54.27
